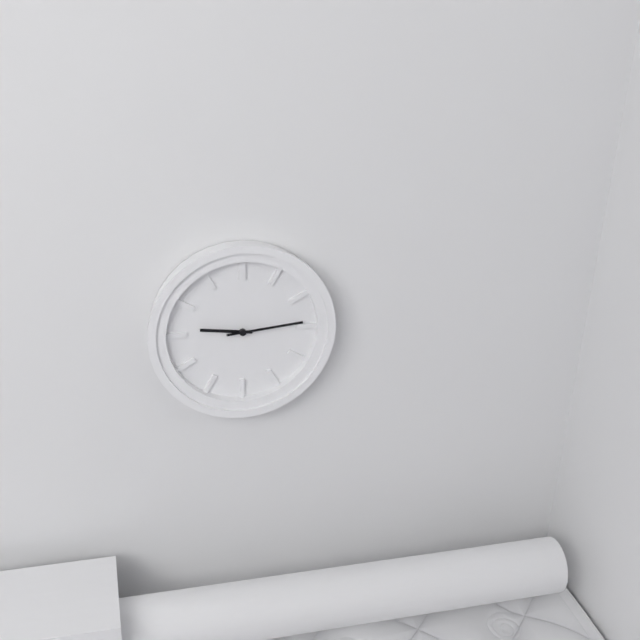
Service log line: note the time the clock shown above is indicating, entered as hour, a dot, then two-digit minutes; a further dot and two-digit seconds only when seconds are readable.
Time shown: 9.14
